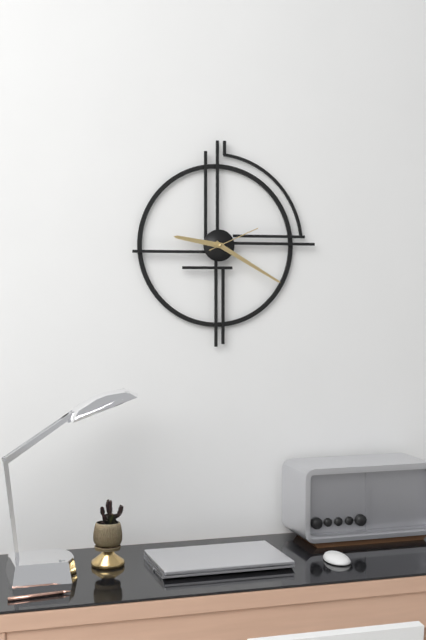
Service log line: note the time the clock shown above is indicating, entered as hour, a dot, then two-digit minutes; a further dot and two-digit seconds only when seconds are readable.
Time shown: 9.20.11
